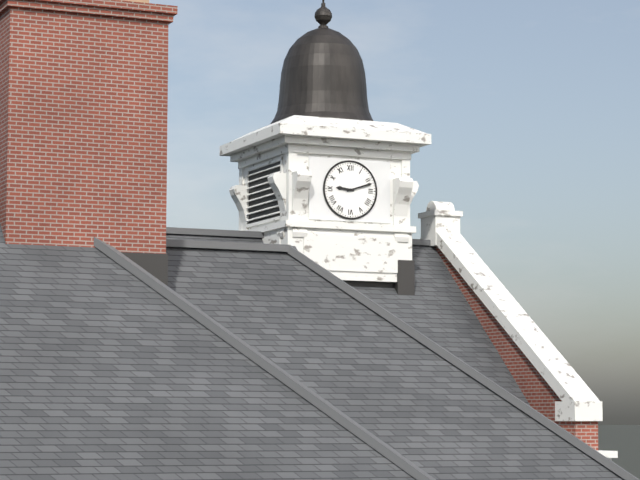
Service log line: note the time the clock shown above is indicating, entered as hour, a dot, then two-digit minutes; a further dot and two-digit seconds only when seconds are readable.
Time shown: 9.12
